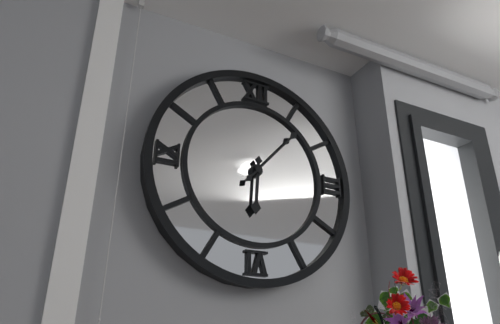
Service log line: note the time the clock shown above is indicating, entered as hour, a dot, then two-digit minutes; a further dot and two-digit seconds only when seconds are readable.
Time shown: 6.07
